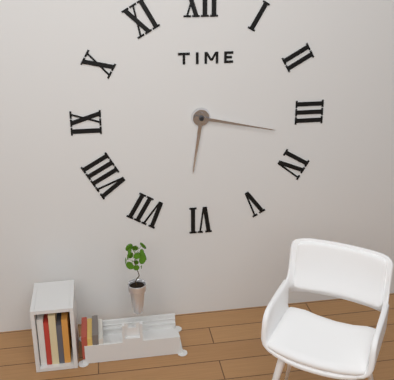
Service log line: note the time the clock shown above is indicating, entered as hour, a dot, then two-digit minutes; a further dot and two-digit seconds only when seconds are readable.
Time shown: 6.17
